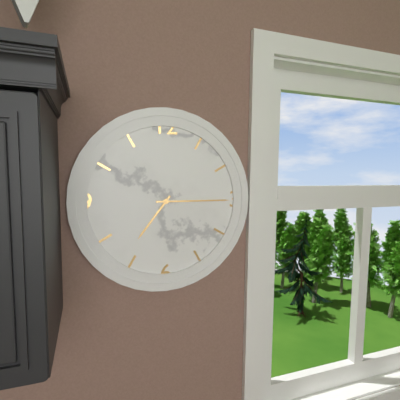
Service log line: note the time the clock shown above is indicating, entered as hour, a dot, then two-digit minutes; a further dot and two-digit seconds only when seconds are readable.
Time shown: 7.15
